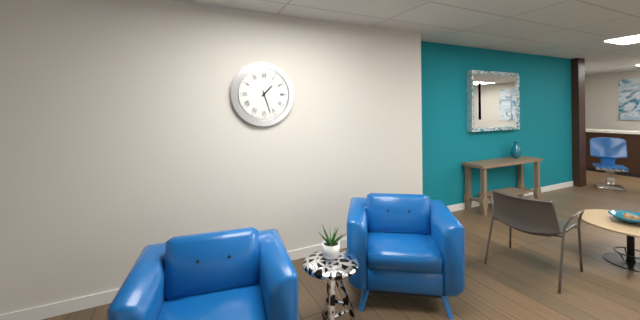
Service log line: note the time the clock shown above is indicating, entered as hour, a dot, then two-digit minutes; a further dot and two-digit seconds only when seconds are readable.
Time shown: 1.27
